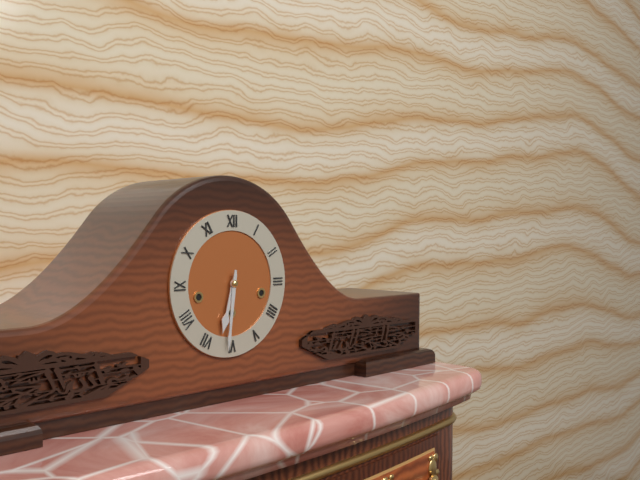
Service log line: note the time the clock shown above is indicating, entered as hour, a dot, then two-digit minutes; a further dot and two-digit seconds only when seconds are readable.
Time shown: 6.31
